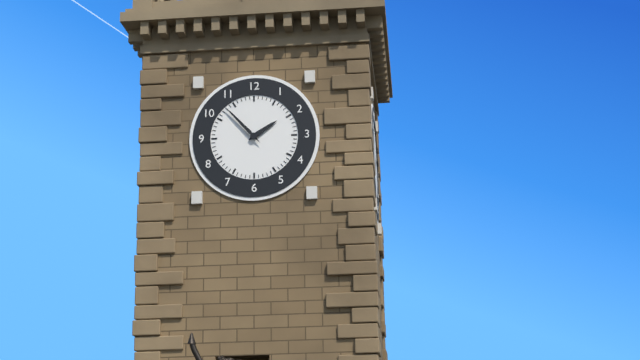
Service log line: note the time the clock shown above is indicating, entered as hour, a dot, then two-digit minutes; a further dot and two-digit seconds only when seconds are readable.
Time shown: 1.53
